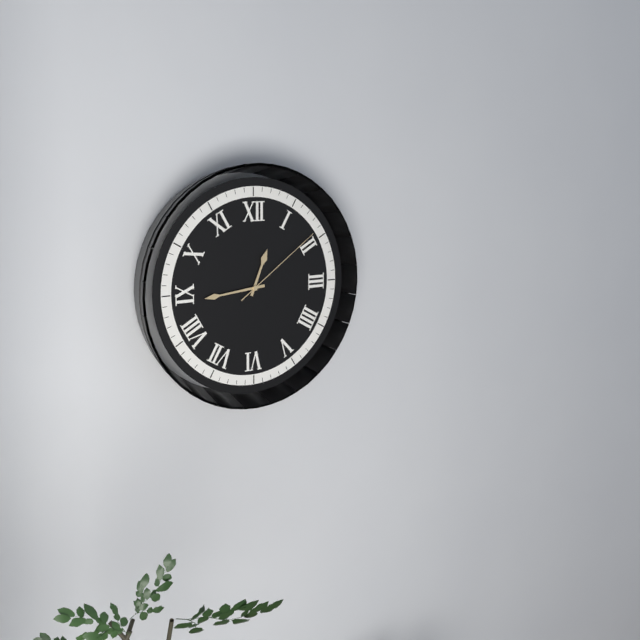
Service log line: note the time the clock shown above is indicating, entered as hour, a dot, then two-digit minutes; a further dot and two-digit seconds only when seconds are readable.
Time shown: 12.44.09
